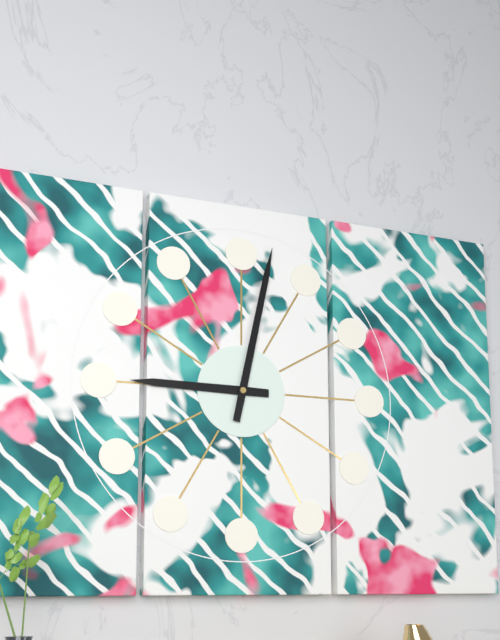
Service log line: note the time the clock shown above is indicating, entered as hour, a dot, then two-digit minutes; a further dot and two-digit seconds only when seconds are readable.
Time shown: 9.02
